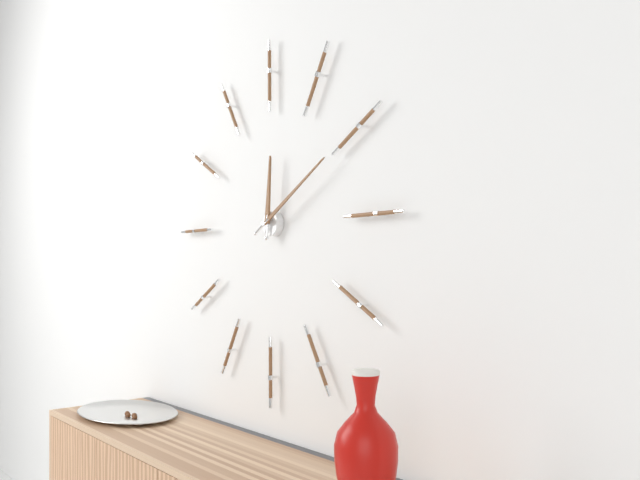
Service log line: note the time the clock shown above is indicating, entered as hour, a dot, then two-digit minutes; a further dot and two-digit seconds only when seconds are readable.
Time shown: 12.10
